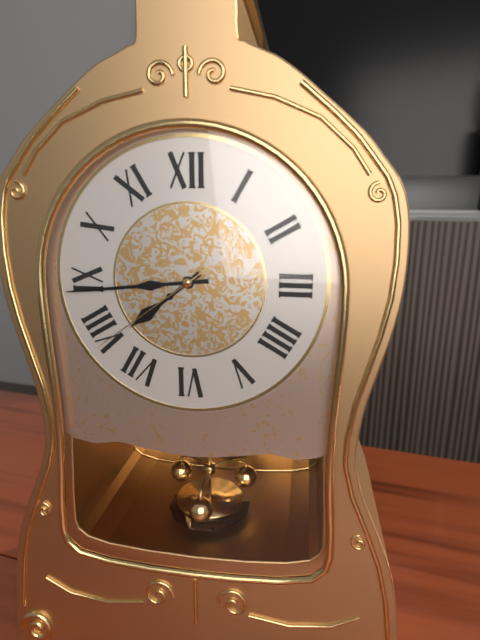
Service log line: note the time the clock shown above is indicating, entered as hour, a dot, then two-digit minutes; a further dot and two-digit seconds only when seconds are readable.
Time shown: 7.44.39
